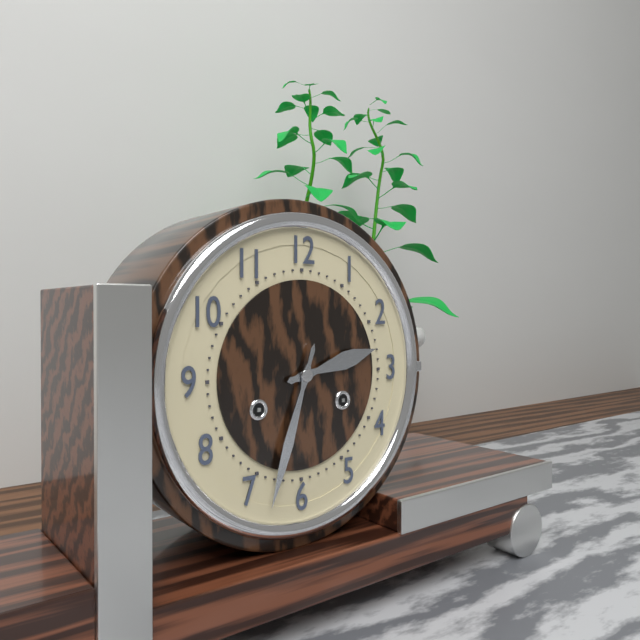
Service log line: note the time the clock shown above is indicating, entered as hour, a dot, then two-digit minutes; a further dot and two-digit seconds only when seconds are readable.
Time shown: 2.33
